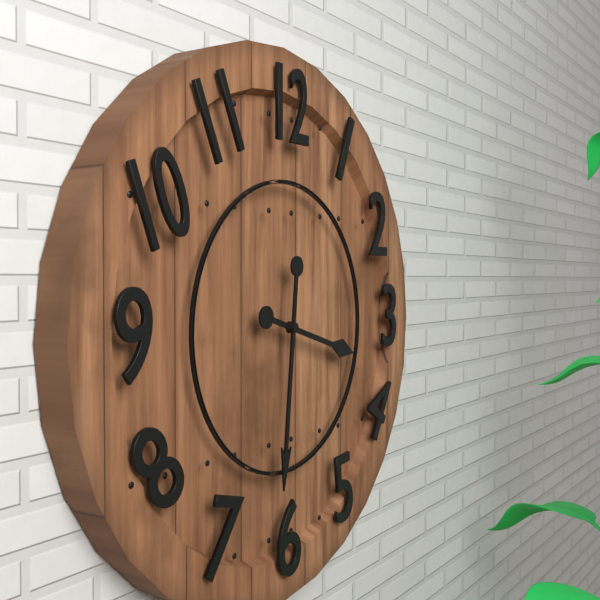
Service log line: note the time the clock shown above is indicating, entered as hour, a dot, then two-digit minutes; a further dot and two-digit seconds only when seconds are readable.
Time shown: 3.31
